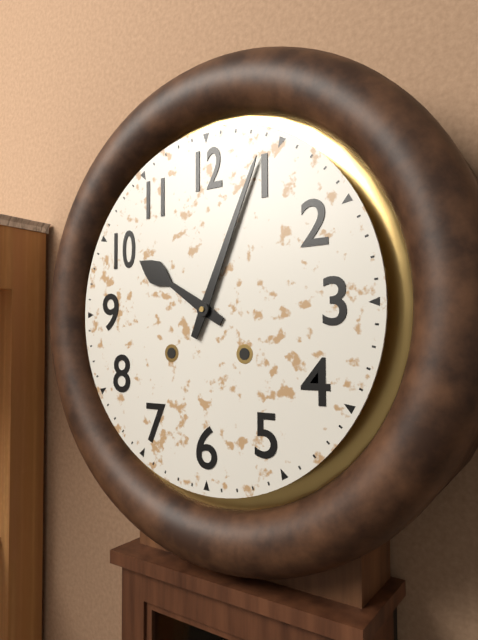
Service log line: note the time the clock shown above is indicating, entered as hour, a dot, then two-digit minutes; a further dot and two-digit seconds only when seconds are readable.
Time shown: 10.04
